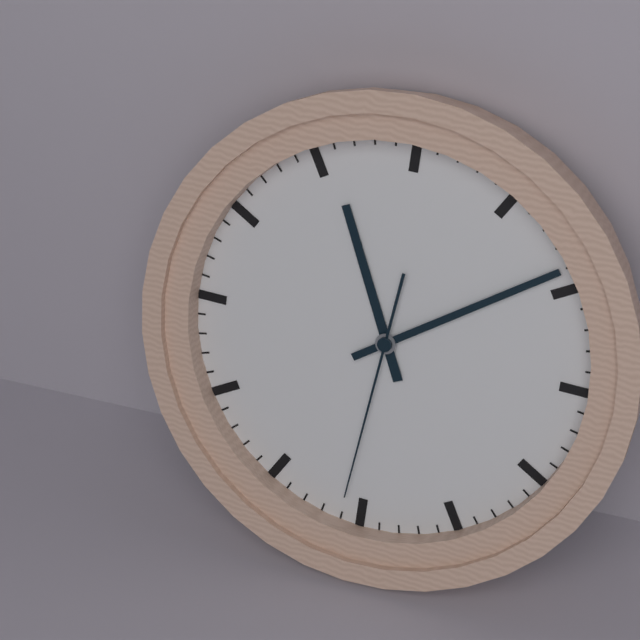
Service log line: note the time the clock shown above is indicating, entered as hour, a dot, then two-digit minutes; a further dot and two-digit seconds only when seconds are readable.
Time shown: 11.09.31
